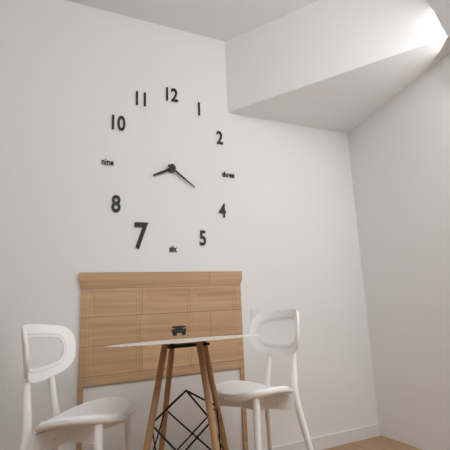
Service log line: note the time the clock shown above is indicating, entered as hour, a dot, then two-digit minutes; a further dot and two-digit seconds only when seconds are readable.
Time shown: 8.20
